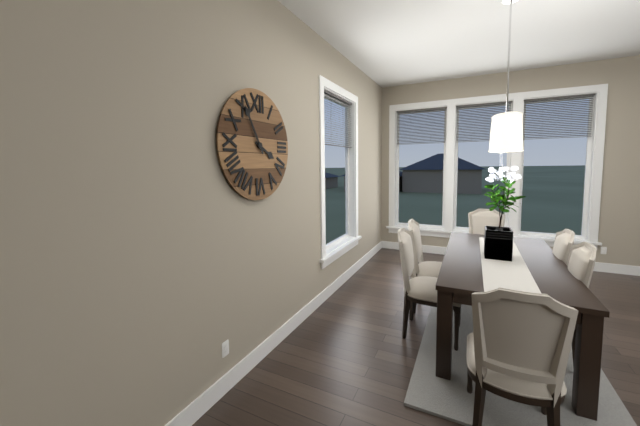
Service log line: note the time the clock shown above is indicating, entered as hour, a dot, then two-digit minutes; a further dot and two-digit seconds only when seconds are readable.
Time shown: 3.55
